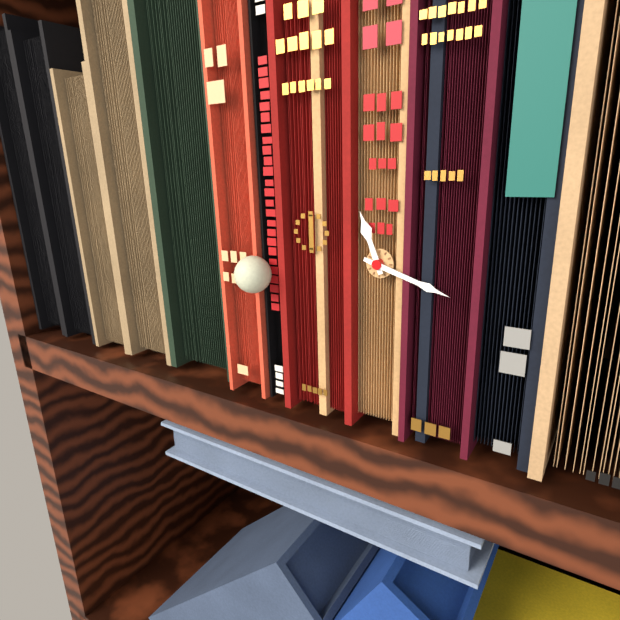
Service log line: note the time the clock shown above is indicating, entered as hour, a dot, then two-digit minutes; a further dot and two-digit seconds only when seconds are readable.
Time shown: 11.18
